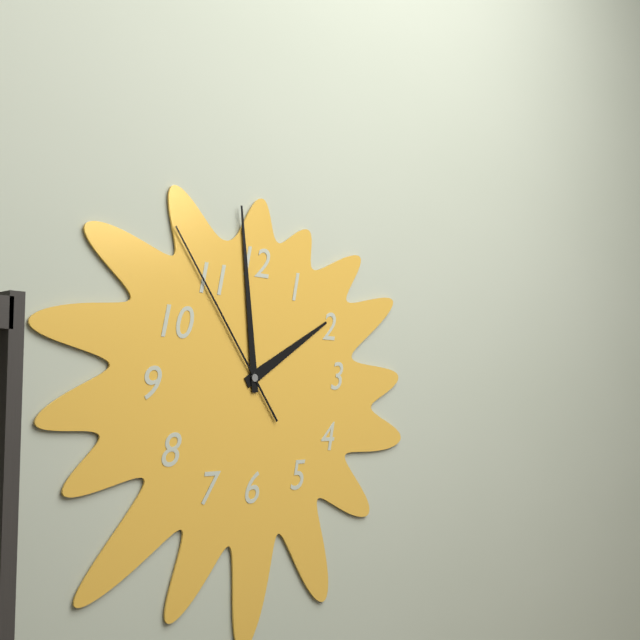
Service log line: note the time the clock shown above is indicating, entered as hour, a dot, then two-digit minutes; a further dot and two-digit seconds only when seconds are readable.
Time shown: 1.59.54
